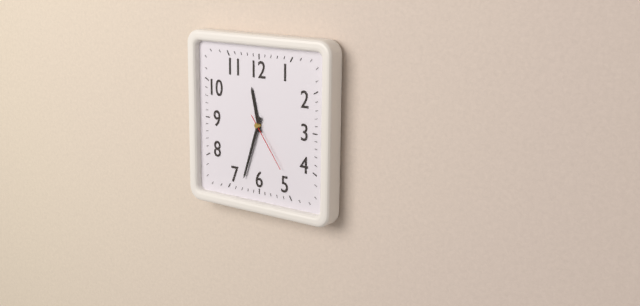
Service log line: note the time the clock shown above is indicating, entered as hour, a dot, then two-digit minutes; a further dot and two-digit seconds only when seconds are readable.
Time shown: 11.33.24
